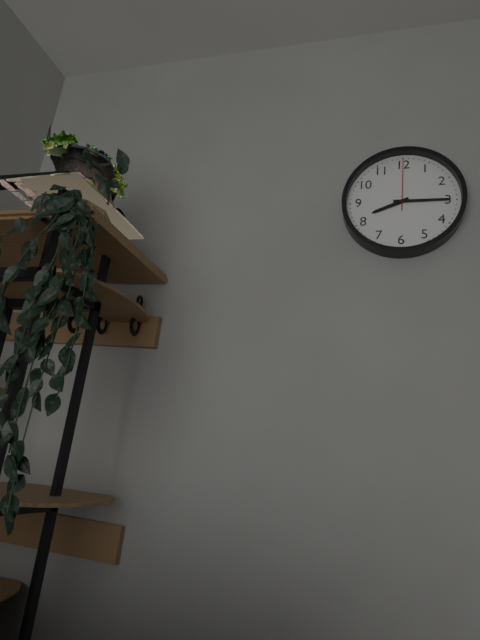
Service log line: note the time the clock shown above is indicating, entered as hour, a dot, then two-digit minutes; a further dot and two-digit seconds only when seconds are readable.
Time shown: 8.15.00
